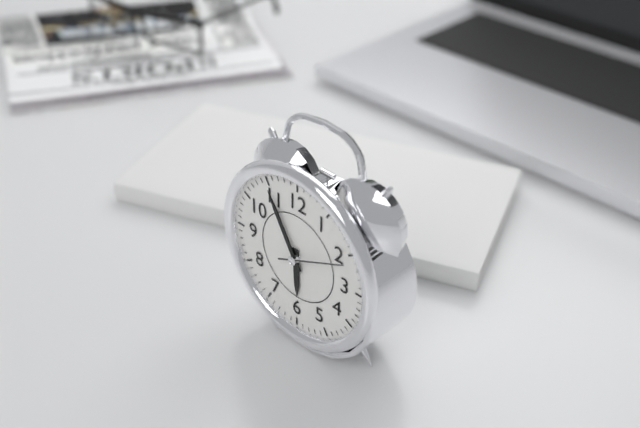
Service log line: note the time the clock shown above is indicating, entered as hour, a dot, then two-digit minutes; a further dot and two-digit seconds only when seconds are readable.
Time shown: 5.55.11
